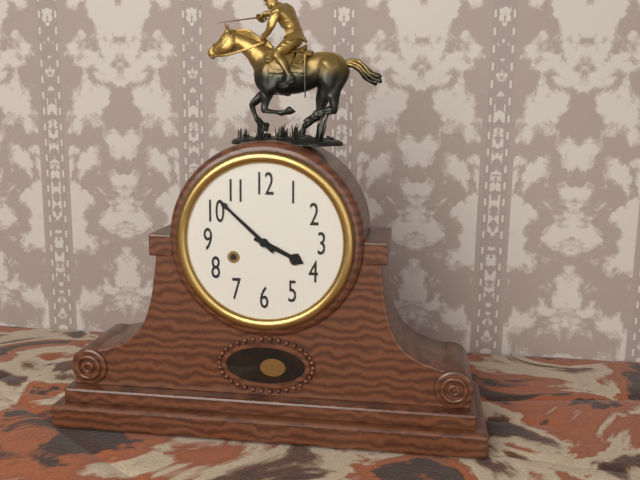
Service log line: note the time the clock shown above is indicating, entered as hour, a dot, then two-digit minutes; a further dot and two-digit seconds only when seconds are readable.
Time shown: 3.52
